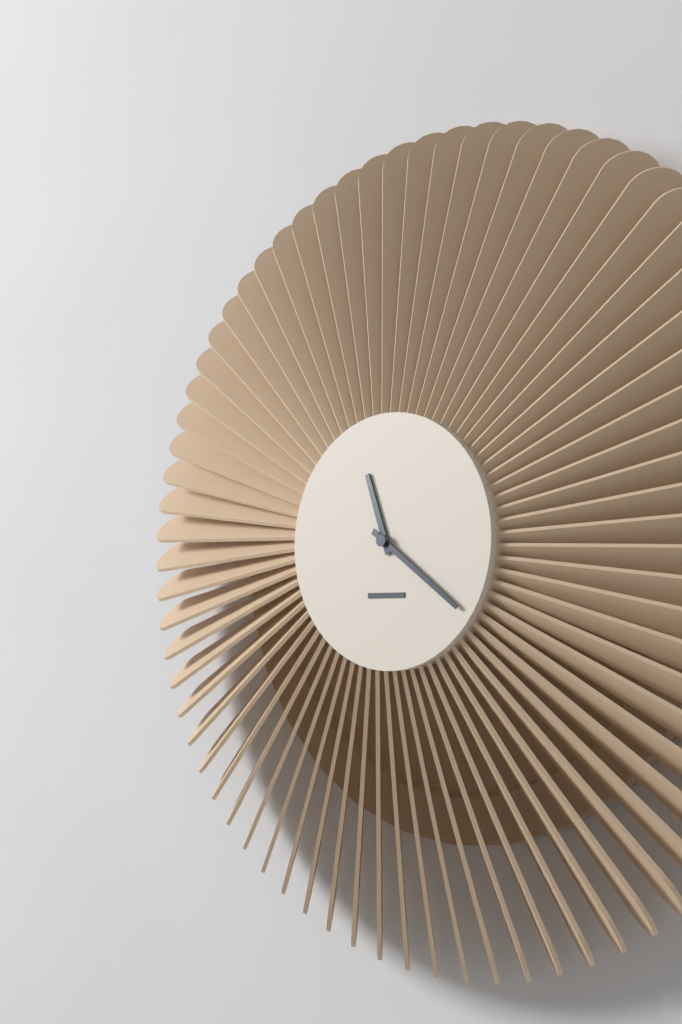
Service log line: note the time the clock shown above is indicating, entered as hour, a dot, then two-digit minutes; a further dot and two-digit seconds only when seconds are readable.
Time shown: 11.21
